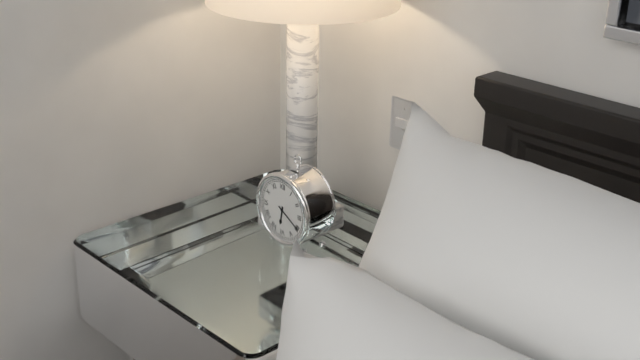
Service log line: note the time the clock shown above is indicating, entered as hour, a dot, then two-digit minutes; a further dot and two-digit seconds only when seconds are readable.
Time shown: 6.20
